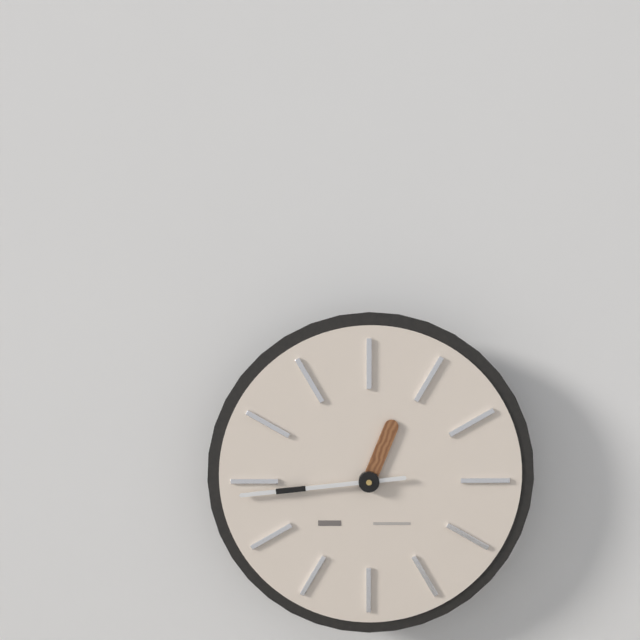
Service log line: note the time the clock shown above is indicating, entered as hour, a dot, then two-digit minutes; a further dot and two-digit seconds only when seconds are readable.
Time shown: 12.44
